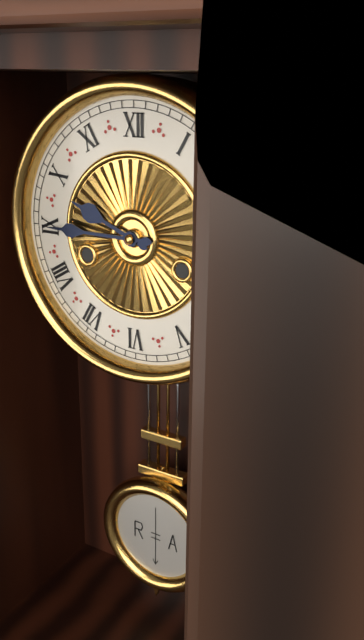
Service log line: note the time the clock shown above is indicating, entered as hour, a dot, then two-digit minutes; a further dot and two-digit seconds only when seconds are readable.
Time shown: 9.45
